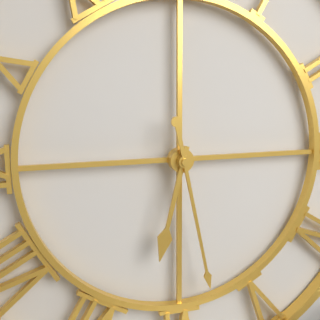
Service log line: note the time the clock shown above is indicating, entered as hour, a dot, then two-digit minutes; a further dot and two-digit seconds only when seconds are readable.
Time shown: 6.28
